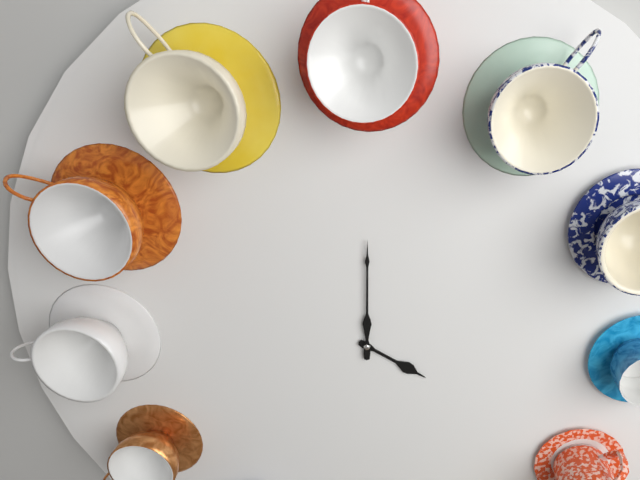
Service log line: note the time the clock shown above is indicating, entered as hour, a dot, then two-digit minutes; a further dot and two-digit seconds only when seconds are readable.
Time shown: 4.00
